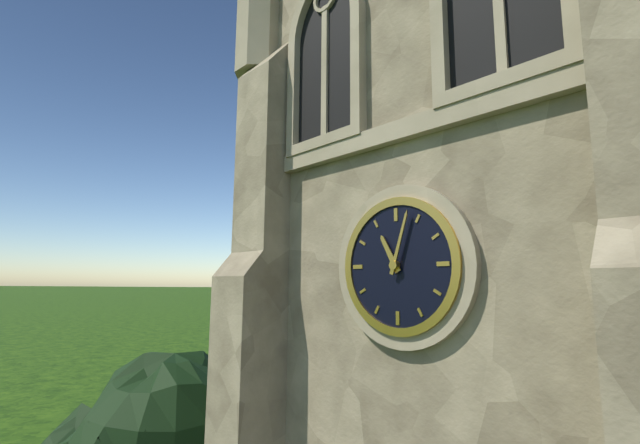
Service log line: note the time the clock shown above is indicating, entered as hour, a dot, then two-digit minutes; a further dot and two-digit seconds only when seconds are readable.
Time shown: 11.03
